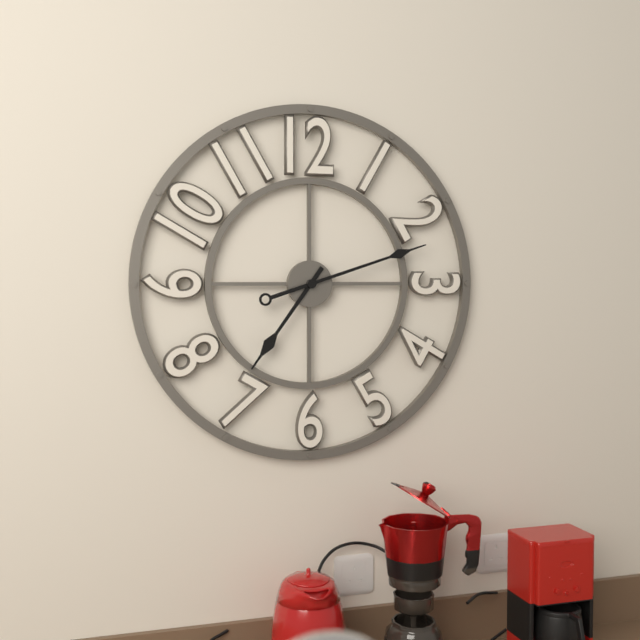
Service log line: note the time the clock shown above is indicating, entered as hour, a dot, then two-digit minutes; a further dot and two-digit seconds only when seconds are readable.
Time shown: 7.12
